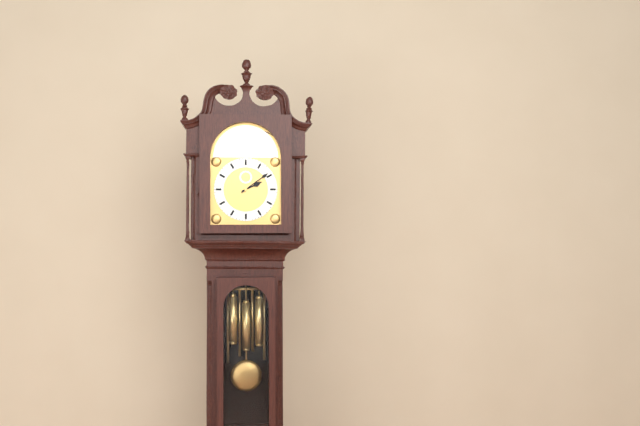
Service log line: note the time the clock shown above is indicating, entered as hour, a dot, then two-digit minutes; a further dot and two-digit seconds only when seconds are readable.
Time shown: 2.09
